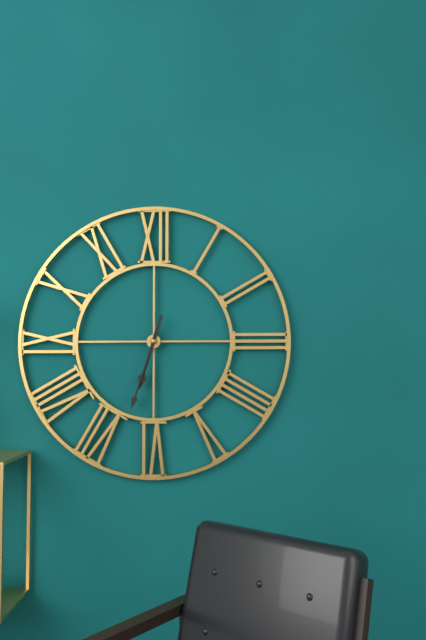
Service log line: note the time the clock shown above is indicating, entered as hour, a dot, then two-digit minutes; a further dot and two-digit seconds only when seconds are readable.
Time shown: 6.33
